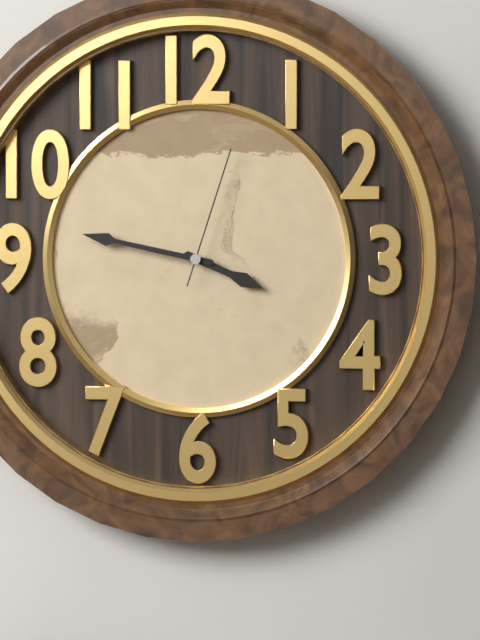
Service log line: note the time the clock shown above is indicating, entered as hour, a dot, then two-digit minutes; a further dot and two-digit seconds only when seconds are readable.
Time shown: 3.47.03
